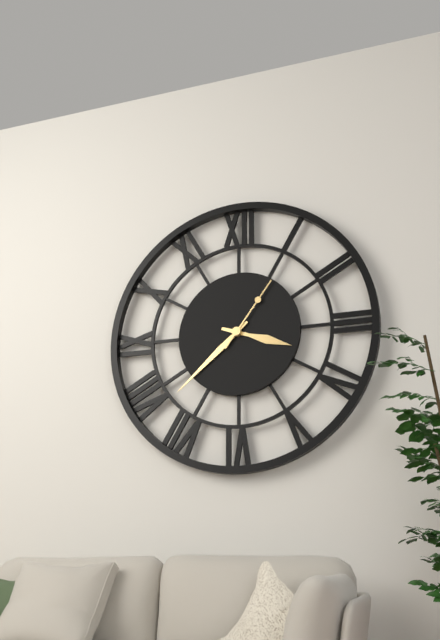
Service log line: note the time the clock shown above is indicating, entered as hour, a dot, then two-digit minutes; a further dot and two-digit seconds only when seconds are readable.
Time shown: 3.38.06
